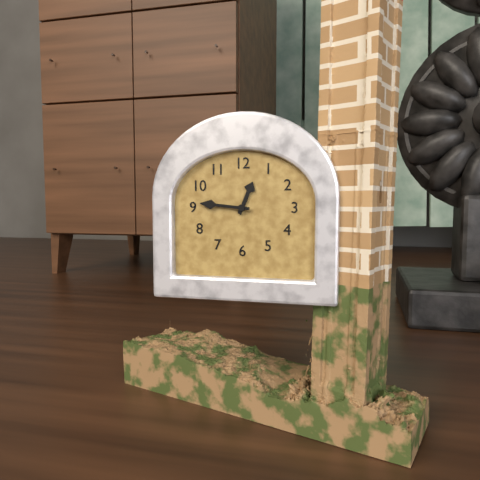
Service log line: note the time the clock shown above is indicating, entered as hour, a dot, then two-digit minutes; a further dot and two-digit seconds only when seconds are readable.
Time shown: 12.46
